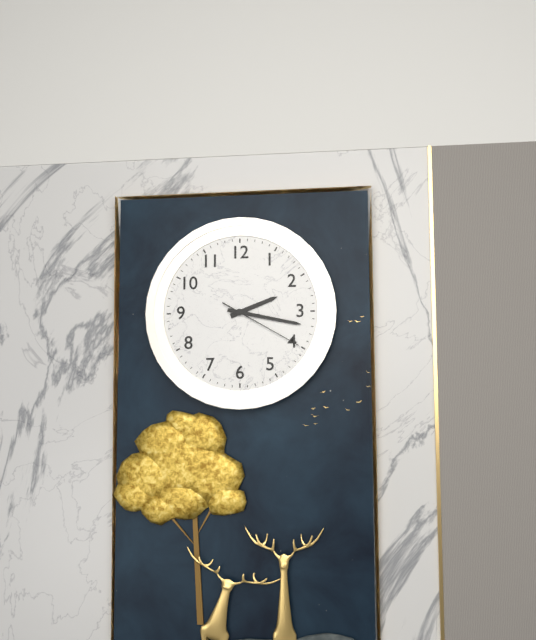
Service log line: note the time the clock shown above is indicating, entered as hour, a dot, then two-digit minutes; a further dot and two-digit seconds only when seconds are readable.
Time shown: 2.17.20
